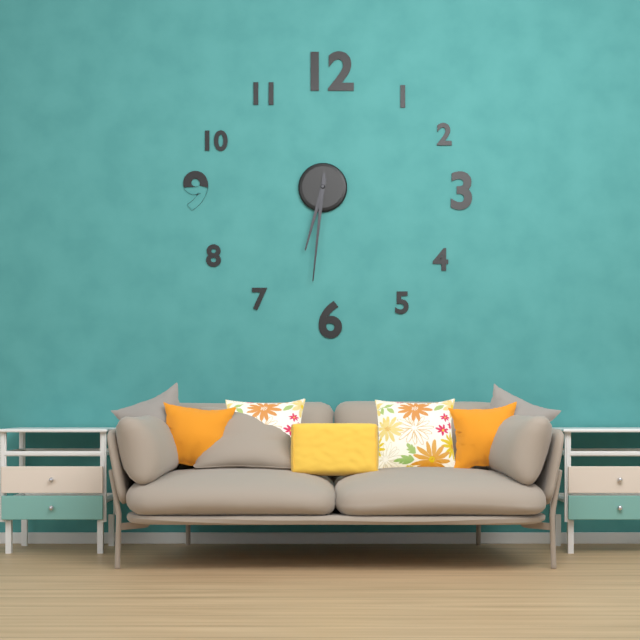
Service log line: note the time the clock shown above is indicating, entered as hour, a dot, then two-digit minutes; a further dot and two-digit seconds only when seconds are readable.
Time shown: 6.31
